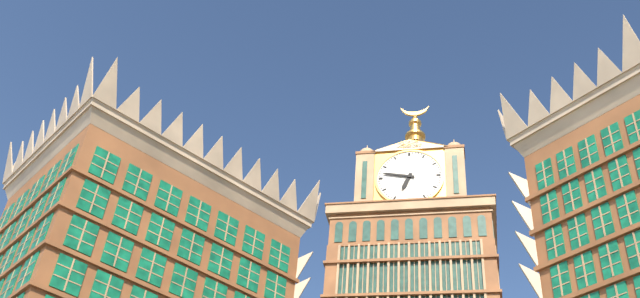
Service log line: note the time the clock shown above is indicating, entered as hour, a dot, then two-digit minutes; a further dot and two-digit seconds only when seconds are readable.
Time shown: 6.47
